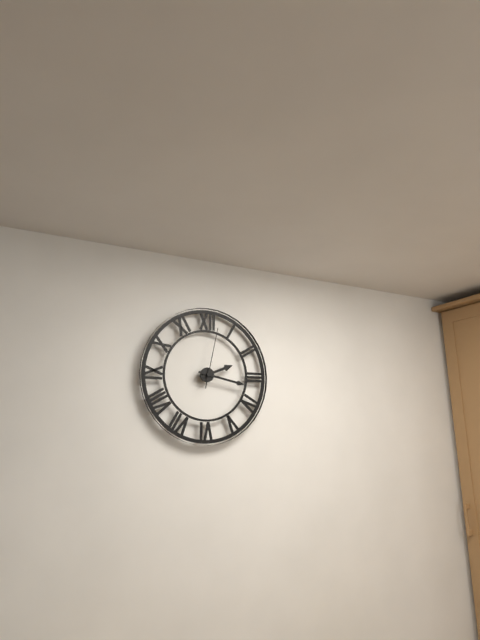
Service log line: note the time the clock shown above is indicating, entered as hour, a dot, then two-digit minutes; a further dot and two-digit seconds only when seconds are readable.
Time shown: 2.17.02
